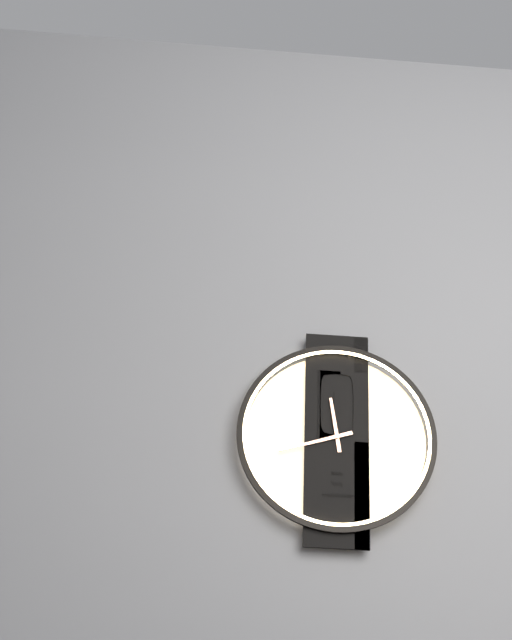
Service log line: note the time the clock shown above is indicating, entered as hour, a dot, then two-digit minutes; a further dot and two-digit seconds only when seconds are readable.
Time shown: 11.42
